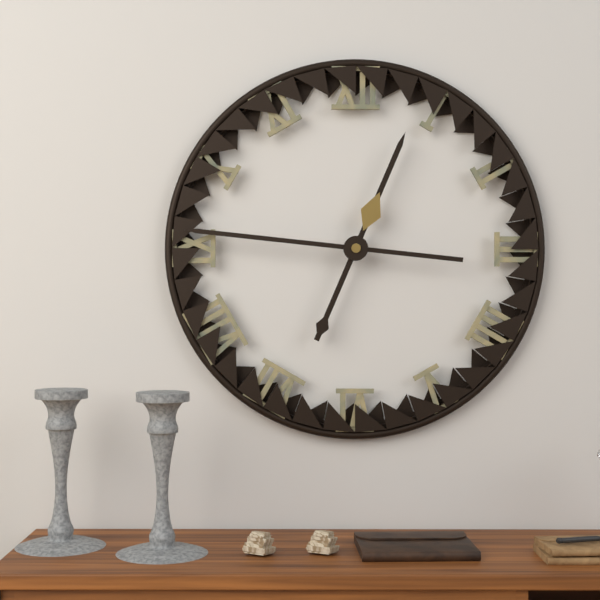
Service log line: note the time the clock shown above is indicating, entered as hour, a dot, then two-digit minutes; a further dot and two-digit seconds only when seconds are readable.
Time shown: 12.46
